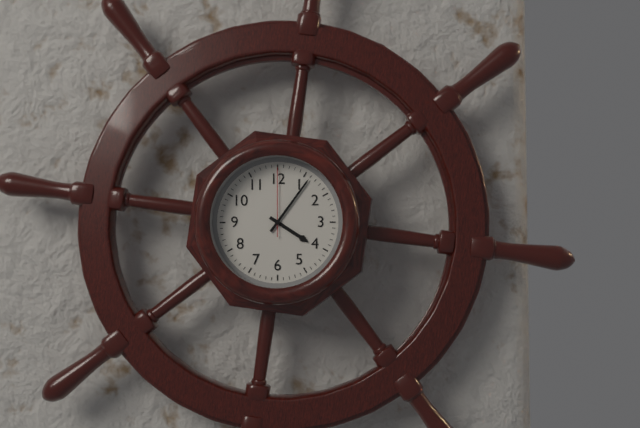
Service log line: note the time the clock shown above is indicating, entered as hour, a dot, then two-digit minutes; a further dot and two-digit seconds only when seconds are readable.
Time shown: 4.06.00
